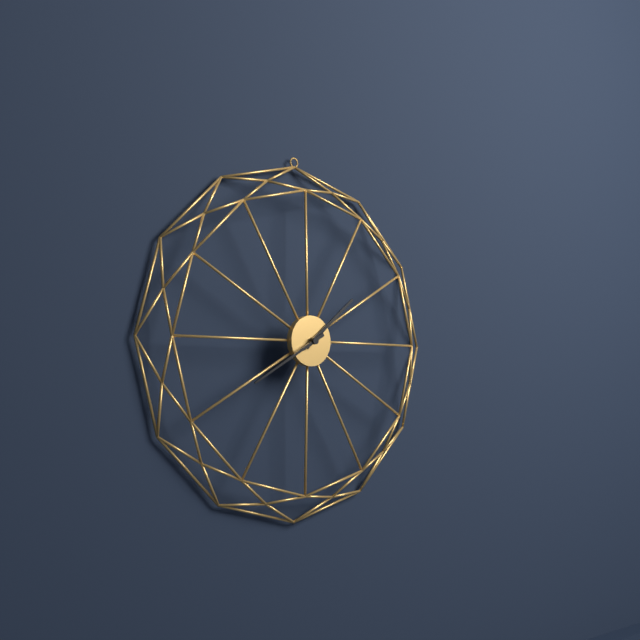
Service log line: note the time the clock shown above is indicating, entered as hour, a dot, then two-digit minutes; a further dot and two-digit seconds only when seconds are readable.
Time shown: 1.40
